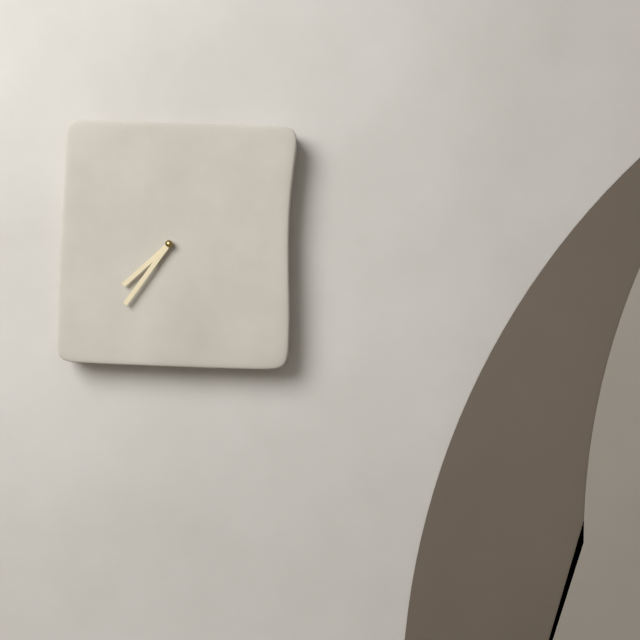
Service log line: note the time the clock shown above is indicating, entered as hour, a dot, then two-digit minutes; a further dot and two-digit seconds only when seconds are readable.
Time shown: 7.36
